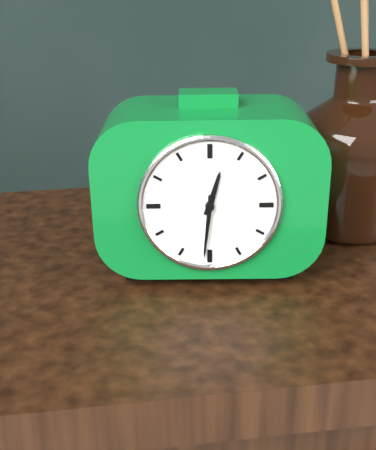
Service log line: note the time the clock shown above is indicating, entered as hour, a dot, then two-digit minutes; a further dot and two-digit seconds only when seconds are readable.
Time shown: 12.31
